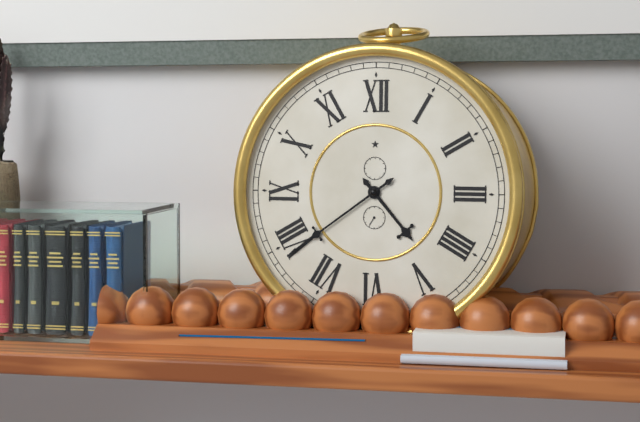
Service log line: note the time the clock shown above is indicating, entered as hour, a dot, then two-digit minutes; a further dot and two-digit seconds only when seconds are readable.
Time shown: 4.39
